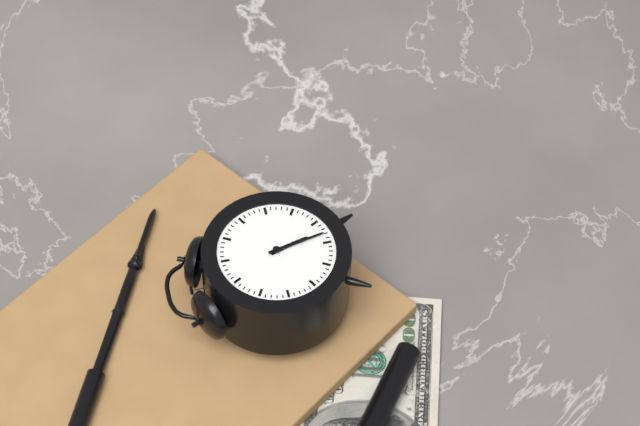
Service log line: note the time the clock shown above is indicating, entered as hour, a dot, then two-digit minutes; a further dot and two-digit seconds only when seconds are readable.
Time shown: 5.28
